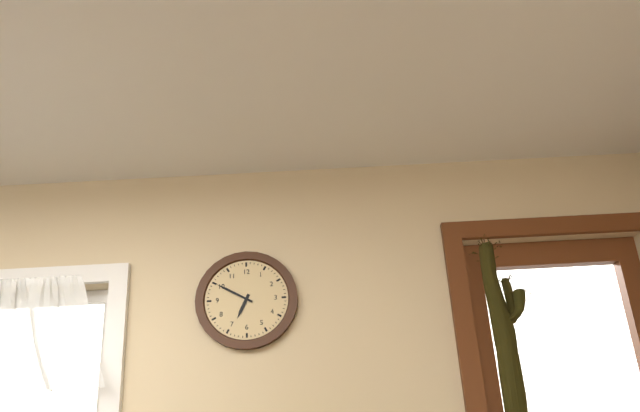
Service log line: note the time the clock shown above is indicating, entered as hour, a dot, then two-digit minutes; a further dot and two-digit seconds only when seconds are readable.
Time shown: 6.50
